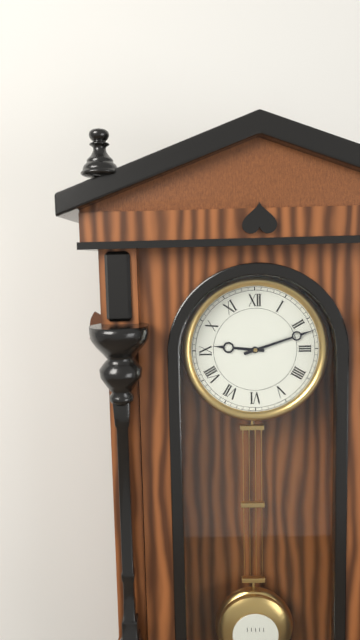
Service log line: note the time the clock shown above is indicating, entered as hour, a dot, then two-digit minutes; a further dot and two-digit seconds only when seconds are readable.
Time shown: 9.12
